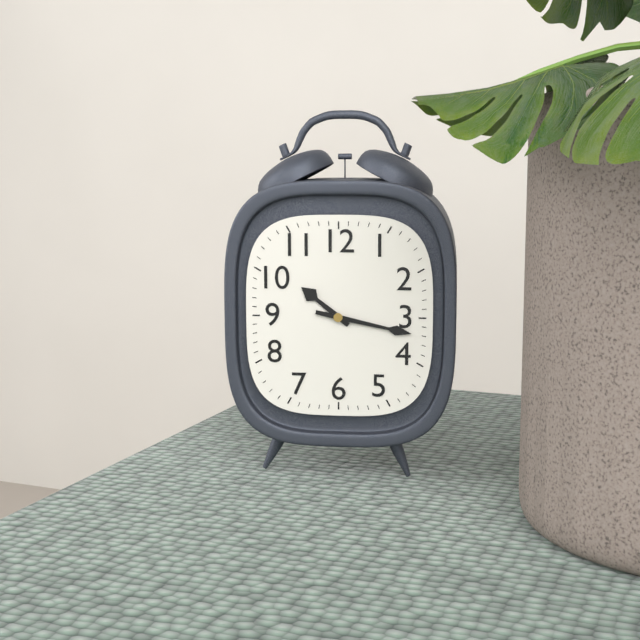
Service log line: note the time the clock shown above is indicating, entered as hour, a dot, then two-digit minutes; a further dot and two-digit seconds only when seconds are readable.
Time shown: 10.17
